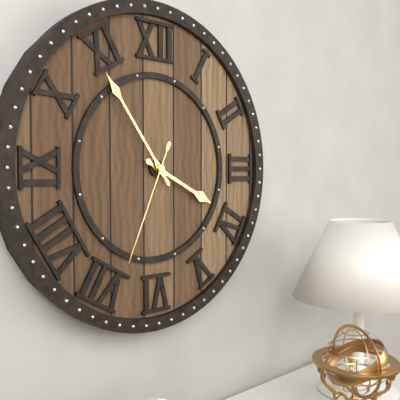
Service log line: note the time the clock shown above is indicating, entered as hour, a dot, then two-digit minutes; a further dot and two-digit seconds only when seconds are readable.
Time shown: 3.54.34
